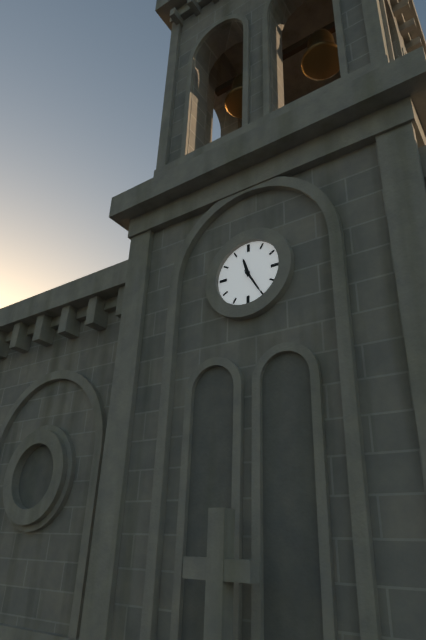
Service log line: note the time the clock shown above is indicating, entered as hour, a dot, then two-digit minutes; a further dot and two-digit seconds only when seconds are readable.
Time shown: 11.25
